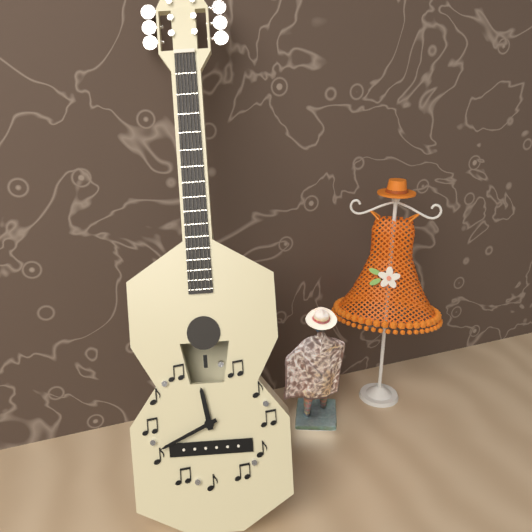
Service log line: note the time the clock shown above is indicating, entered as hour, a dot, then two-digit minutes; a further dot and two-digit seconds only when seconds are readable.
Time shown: 11.41
